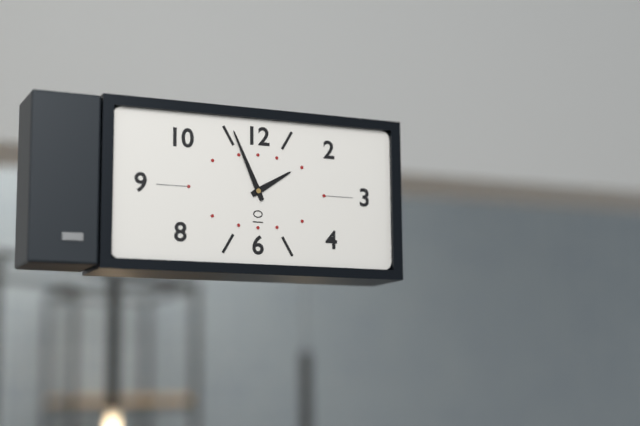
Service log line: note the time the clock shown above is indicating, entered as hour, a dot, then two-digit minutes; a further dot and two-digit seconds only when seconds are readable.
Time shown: 1.56
